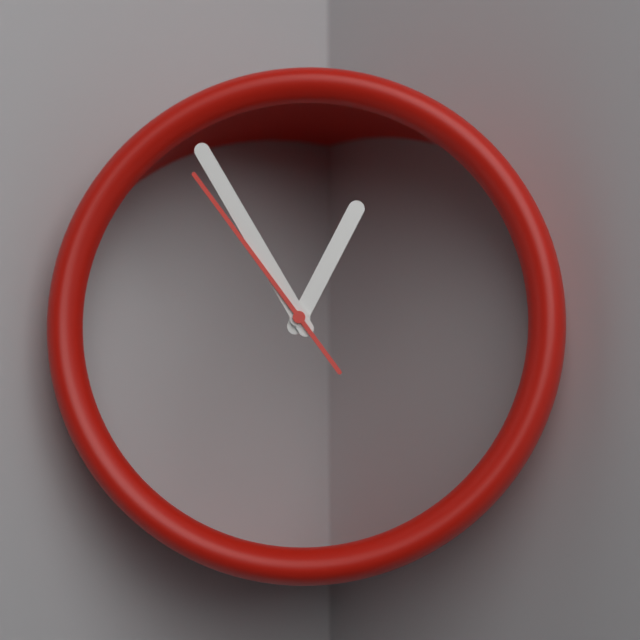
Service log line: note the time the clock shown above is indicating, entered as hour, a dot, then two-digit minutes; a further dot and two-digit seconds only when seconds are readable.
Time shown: 12.55.54
